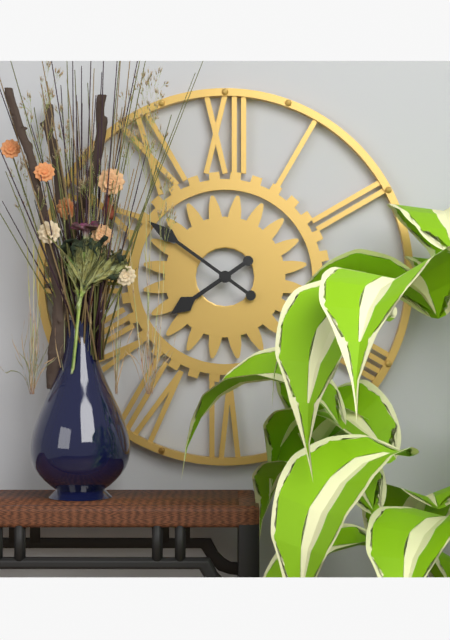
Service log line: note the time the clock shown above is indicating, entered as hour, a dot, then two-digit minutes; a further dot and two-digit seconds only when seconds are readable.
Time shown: 7.51
